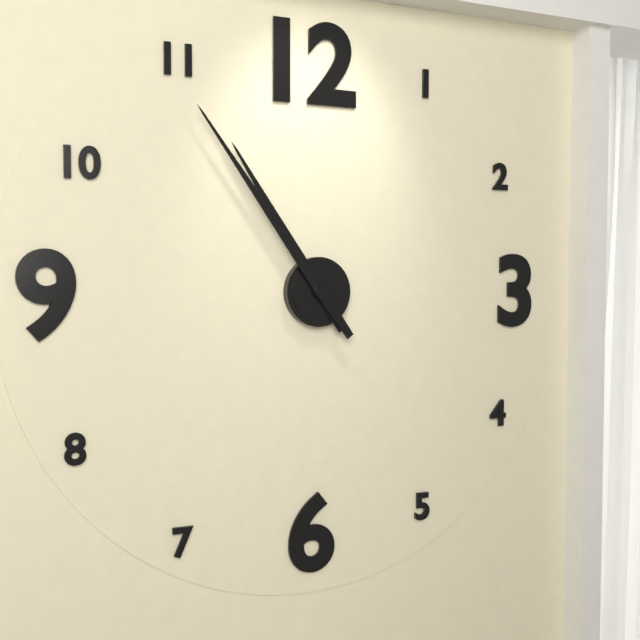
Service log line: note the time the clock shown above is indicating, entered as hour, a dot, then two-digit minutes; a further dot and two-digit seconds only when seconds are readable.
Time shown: 10.54
